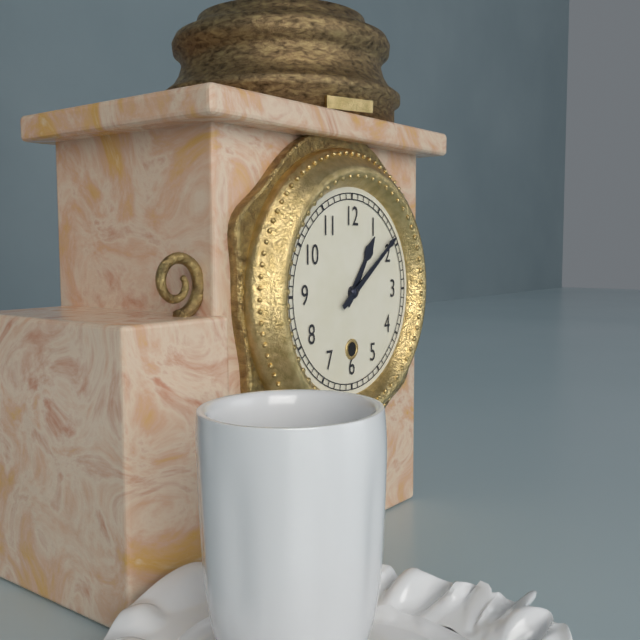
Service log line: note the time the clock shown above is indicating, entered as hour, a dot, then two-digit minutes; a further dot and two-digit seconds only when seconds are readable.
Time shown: 1.09
